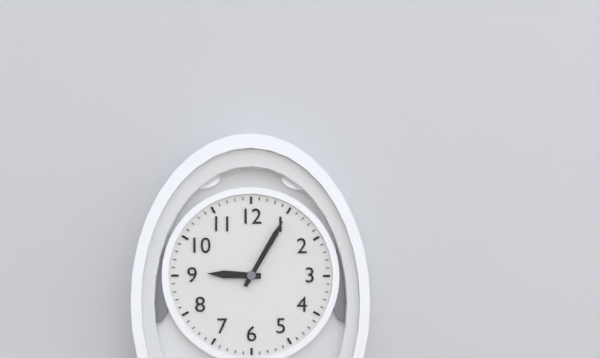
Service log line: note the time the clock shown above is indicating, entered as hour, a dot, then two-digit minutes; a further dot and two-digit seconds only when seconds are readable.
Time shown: 9.05
